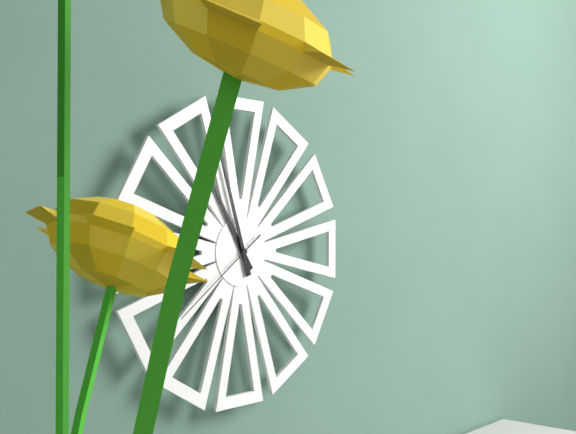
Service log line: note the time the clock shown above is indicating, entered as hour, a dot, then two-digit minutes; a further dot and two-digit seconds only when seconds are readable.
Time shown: 10.57.39
